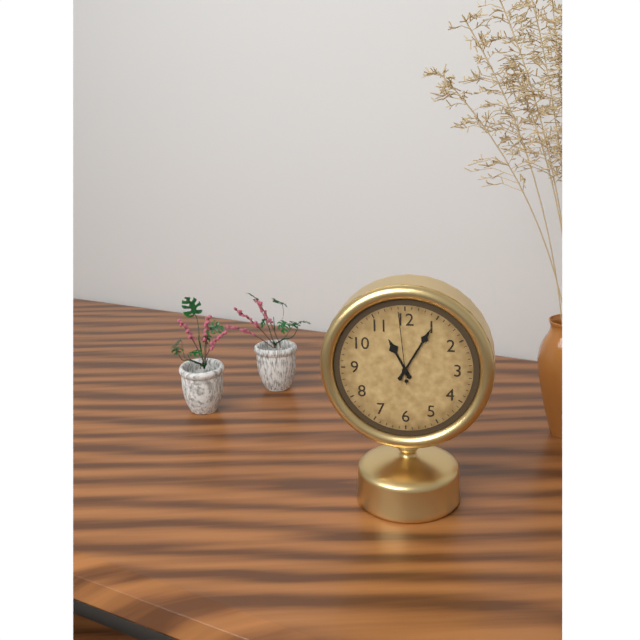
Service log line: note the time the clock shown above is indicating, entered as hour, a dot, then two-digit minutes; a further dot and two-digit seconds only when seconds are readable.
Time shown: 11.05.59
